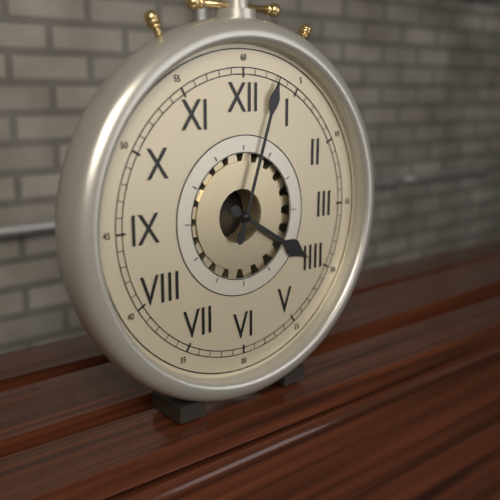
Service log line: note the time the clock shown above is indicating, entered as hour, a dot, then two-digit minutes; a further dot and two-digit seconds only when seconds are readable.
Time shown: 4.03
